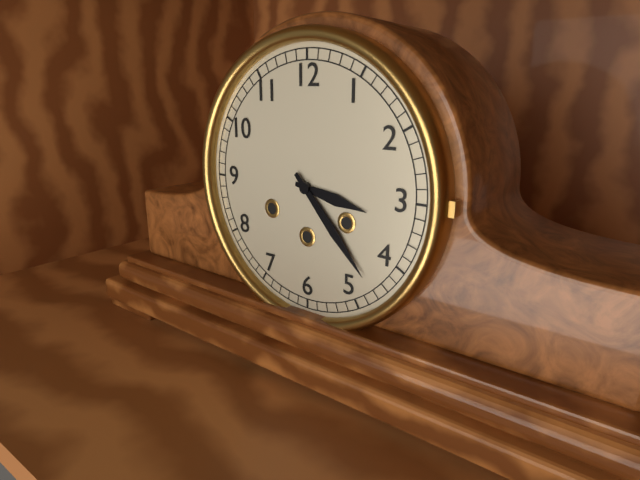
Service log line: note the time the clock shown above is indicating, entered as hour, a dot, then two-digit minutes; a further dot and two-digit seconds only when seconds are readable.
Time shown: 3.23
